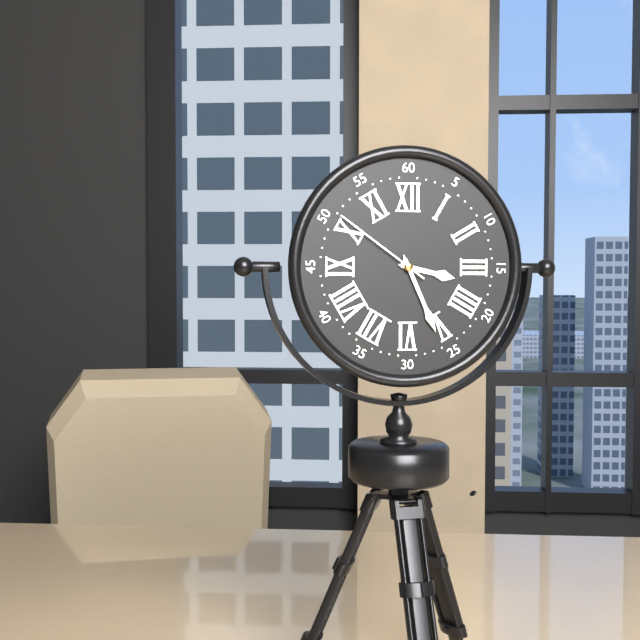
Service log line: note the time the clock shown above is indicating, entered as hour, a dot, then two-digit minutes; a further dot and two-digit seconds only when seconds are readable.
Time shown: 3.26.51
